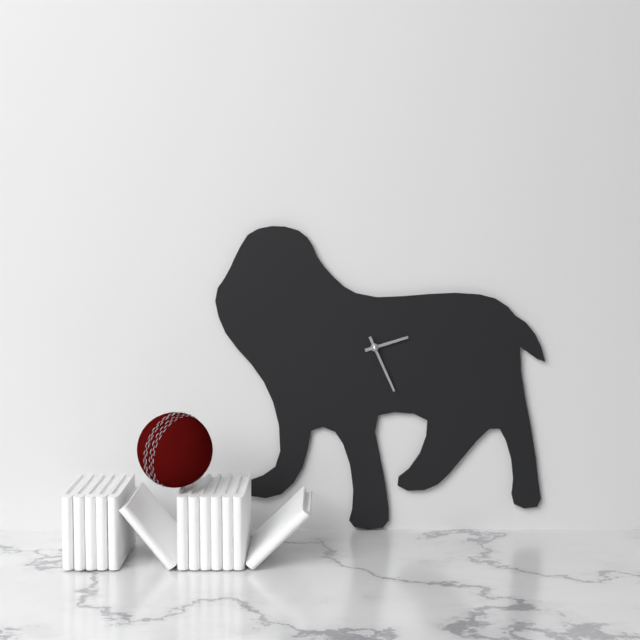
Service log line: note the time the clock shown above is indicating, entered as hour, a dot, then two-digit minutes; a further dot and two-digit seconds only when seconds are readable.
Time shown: 2.26
